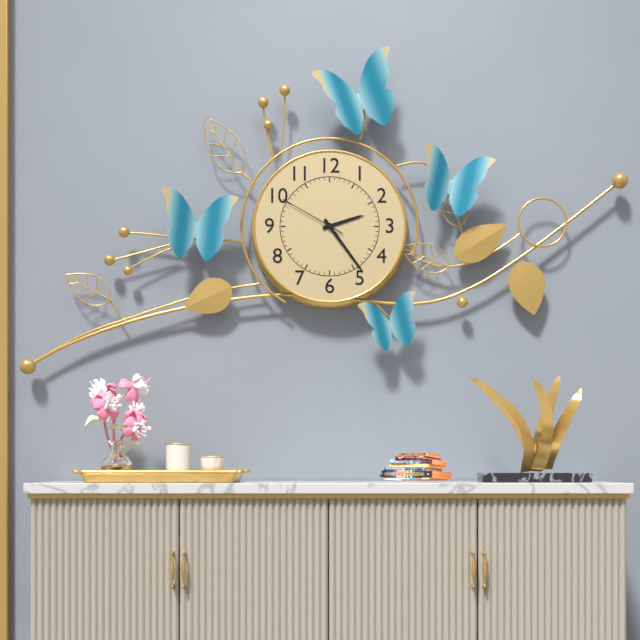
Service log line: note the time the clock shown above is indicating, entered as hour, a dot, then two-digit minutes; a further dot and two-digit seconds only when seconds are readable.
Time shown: 2.24.50
